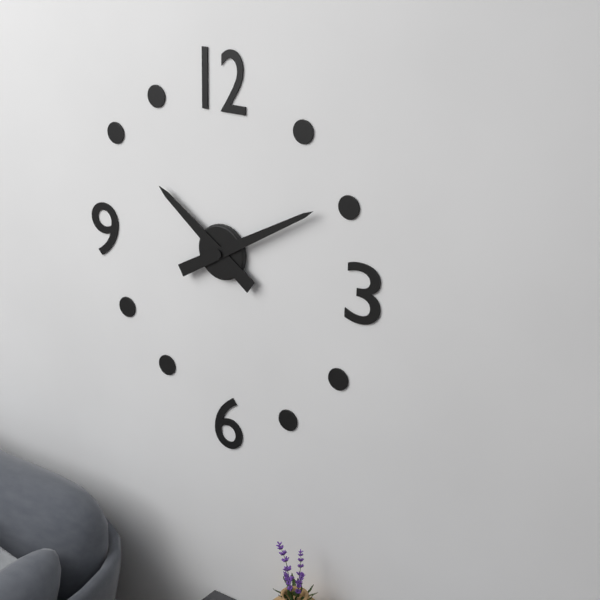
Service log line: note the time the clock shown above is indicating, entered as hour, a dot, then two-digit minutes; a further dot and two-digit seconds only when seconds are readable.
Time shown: 10.10
